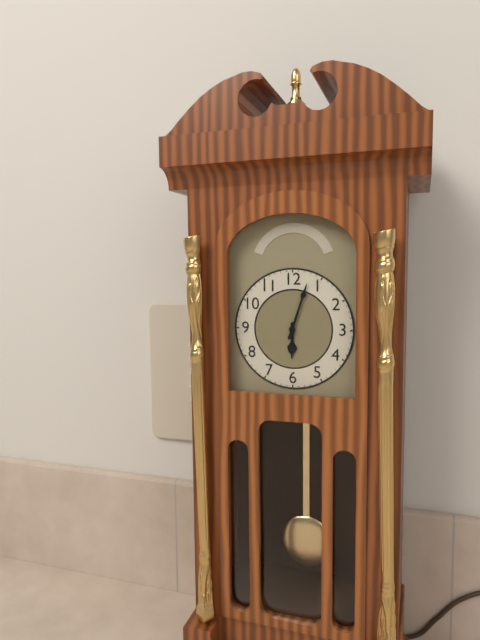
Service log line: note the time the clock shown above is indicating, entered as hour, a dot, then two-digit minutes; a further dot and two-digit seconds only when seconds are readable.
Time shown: 6.03
